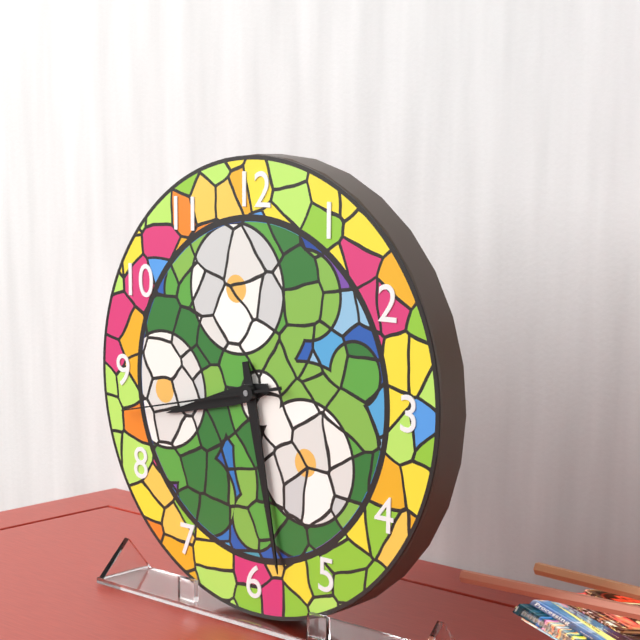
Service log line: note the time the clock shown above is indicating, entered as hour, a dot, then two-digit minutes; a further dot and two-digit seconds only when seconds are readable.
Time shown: 8.28.43
